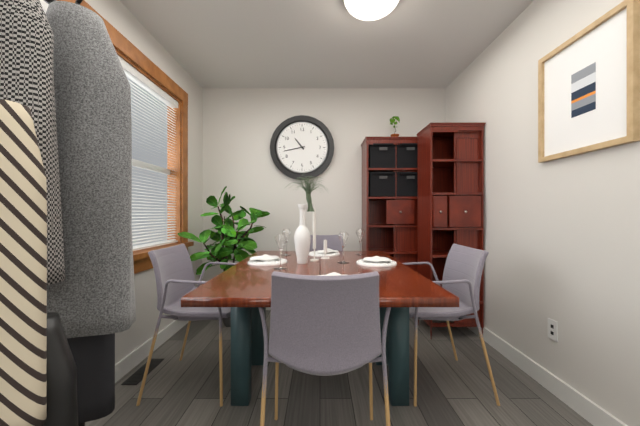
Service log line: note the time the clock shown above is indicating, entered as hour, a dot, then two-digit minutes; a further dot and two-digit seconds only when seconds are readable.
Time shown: 10.43
